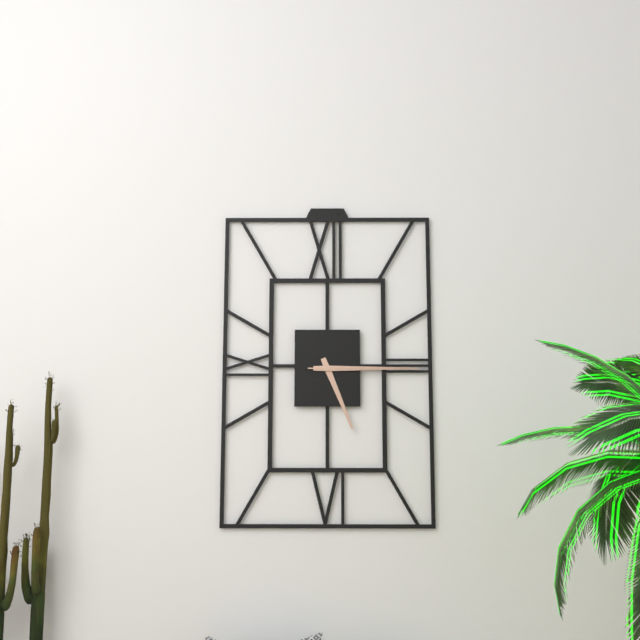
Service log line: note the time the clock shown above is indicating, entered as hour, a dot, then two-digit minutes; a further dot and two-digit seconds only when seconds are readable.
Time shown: 5.15.15
